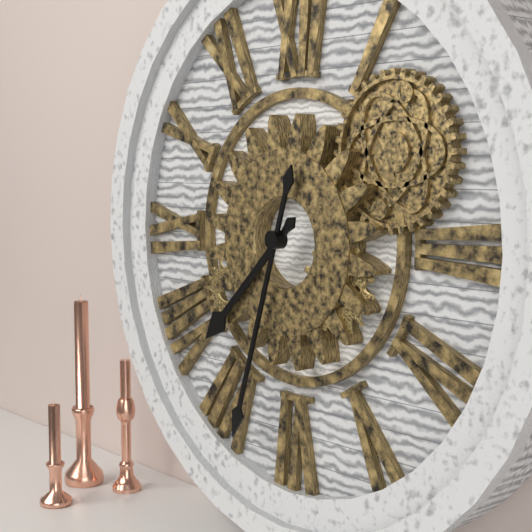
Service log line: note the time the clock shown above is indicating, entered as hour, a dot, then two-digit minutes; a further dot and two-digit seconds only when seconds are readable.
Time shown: 7.33
